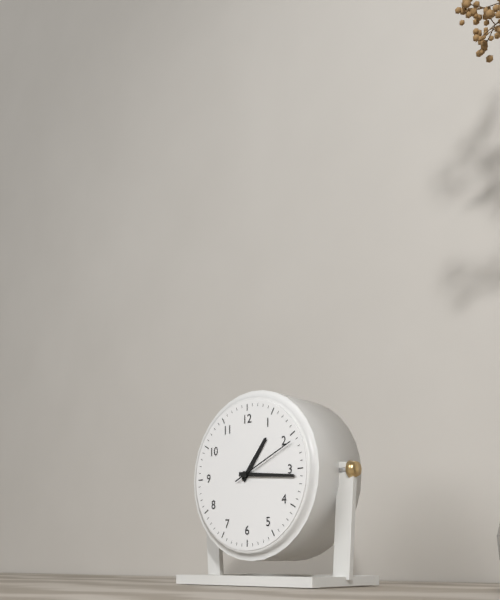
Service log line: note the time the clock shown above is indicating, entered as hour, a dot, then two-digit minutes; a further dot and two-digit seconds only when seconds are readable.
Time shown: 1.16.11
